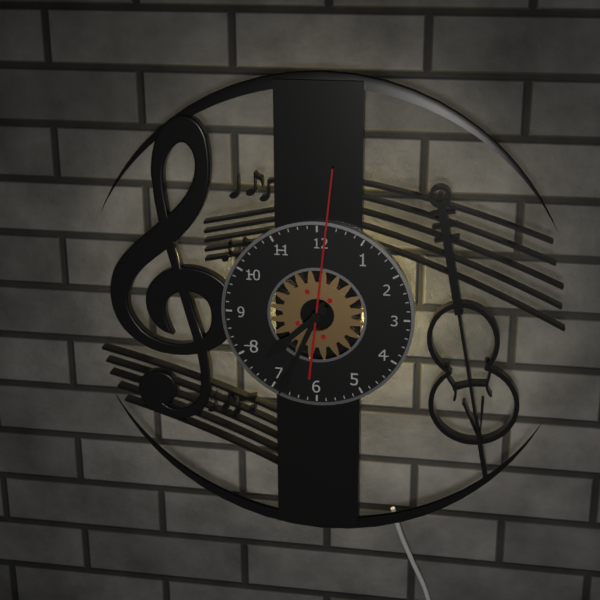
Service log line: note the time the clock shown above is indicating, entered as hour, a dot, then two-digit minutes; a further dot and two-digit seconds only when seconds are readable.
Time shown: 7.34.01
